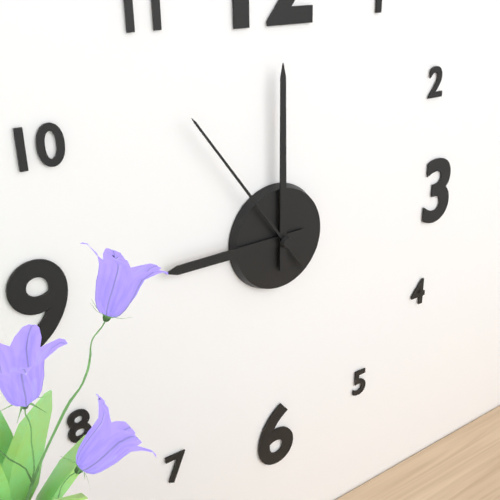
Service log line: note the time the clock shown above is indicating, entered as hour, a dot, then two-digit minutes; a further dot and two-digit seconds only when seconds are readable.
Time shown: 9.00.54
